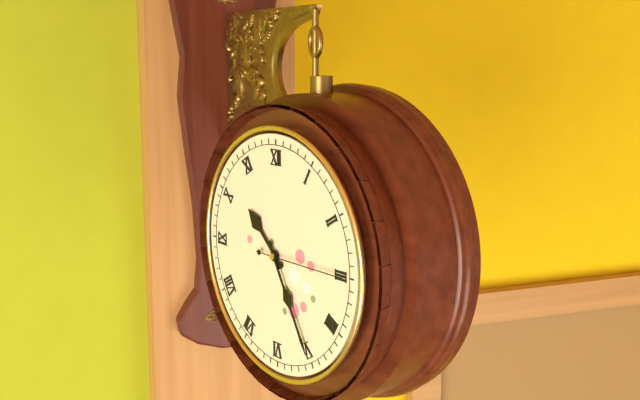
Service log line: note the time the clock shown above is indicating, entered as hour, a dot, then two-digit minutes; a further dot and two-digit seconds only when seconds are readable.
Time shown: 10.25
